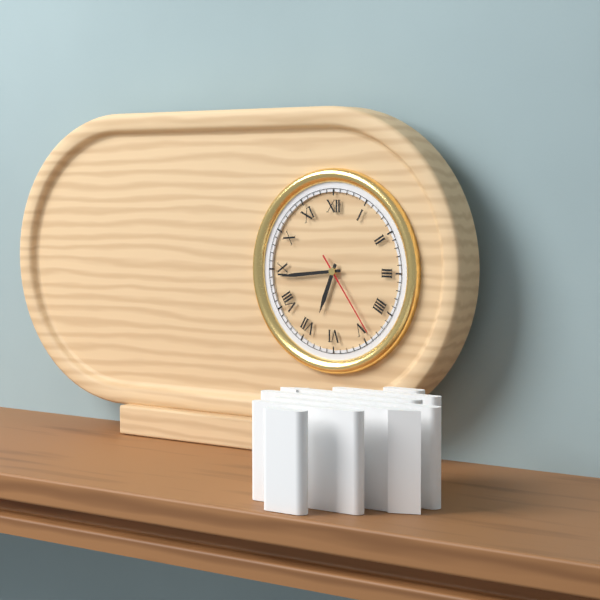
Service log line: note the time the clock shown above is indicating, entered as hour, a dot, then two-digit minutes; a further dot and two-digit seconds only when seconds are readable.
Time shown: 6.44.24
